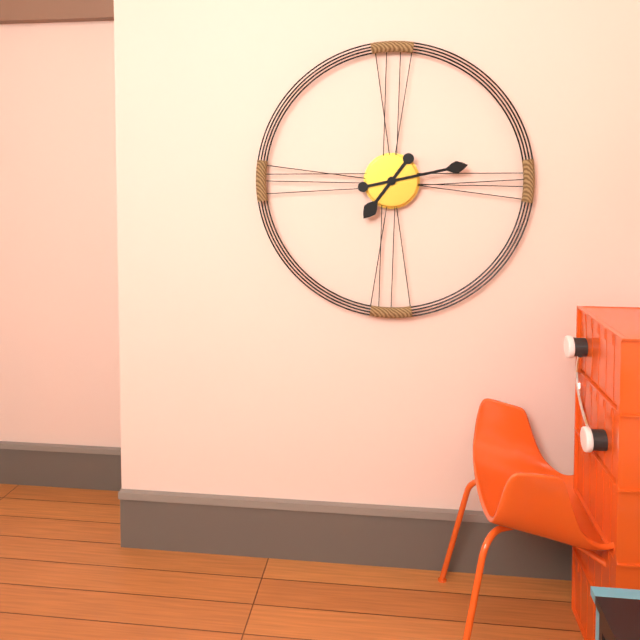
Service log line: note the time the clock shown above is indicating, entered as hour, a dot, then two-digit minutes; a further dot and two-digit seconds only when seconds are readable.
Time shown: 7.13
